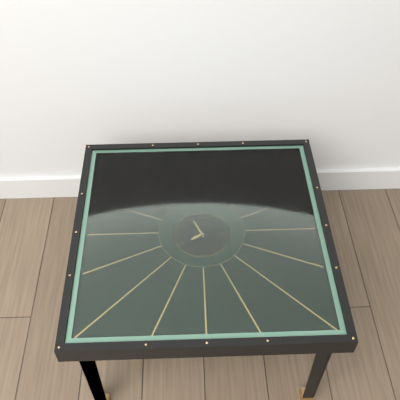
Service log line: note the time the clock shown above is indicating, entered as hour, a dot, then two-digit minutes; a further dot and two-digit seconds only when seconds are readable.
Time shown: 7.56
